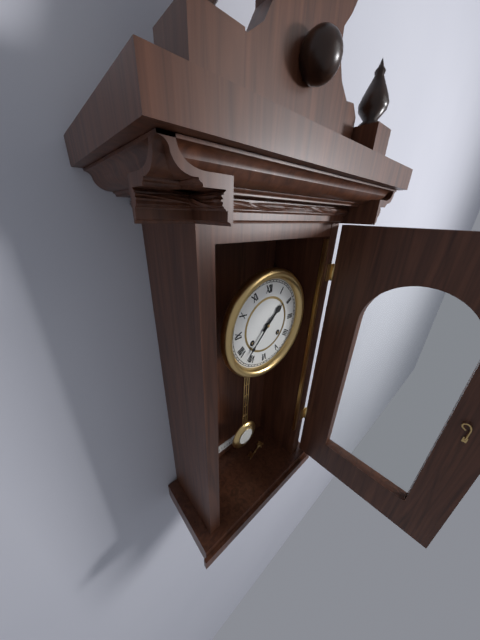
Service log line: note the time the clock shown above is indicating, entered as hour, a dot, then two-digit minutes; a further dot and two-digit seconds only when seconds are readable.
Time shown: 1.37
